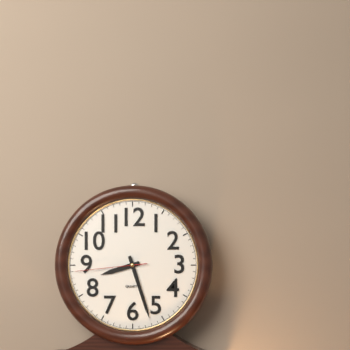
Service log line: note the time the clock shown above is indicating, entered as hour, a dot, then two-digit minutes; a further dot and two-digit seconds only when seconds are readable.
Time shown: 8.27.44
